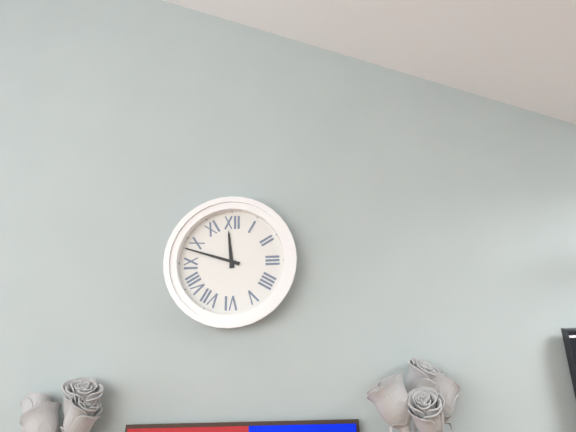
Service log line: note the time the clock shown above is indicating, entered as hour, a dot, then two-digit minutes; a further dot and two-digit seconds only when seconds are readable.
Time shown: 11.48
